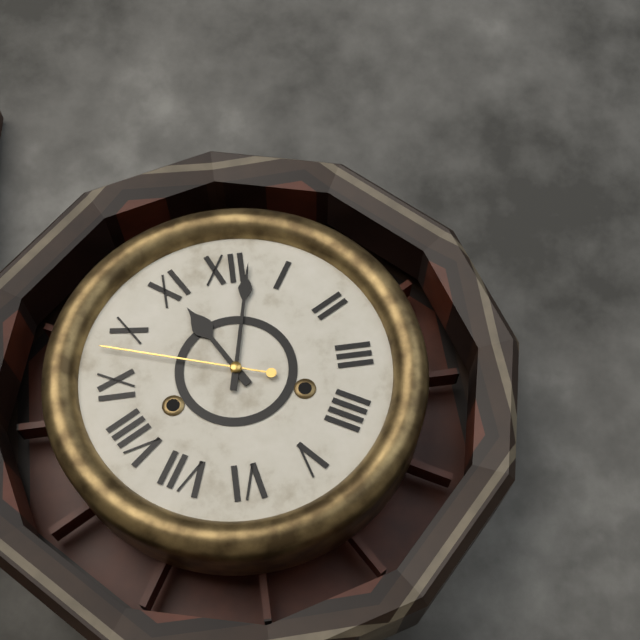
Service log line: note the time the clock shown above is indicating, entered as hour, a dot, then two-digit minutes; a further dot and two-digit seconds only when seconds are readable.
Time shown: 11.02.48
